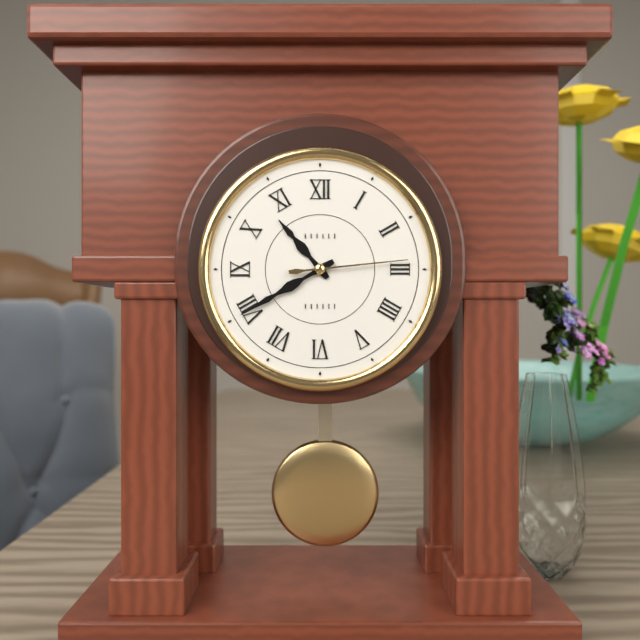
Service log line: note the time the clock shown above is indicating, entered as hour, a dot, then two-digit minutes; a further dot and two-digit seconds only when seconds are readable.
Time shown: 10.40.14
